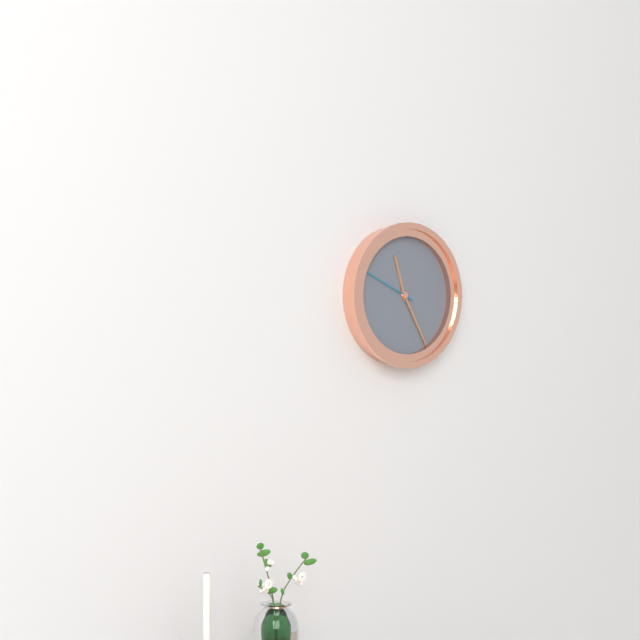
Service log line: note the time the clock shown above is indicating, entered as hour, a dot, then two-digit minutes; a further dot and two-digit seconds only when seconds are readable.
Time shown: 11.25.49
